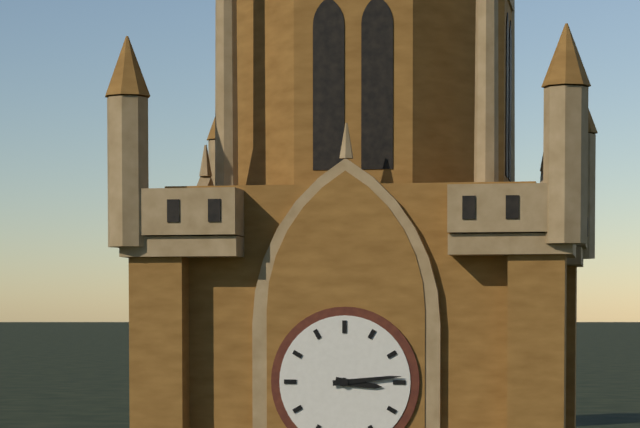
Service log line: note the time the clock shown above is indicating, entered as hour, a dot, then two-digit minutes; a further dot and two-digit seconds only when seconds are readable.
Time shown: 3.14
